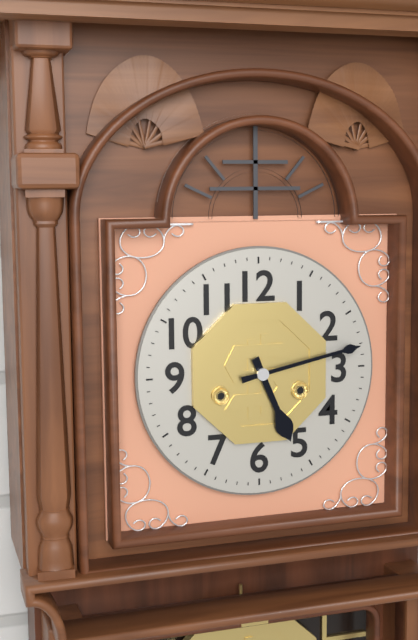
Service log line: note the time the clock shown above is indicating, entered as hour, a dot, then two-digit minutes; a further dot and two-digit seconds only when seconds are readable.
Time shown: 5.13
